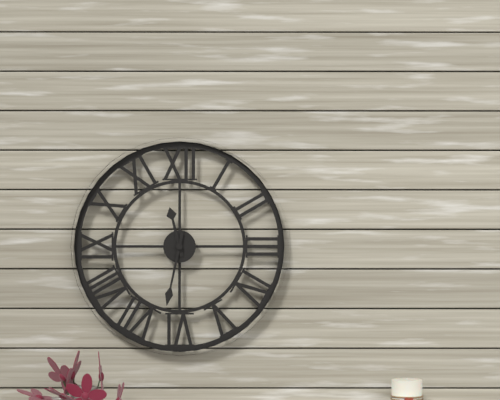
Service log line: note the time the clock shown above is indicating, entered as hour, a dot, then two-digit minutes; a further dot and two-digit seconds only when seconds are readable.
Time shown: 11.32
